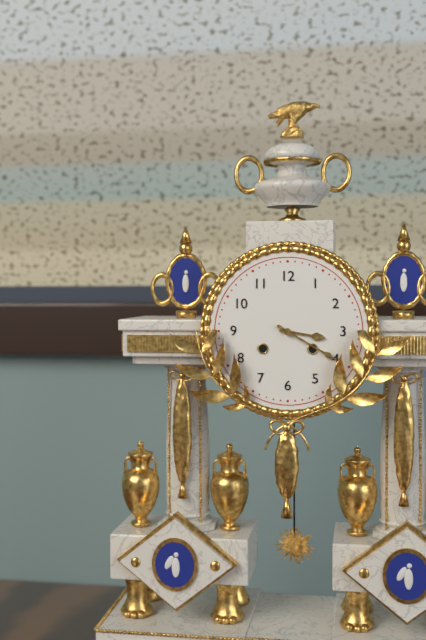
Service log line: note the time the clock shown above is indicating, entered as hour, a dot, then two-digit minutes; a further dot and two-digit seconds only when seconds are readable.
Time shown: 3.20
